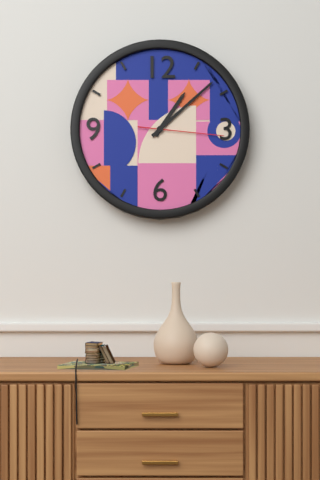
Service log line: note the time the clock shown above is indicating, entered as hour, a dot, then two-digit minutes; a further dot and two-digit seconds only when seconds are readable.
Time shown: 1.08.16
